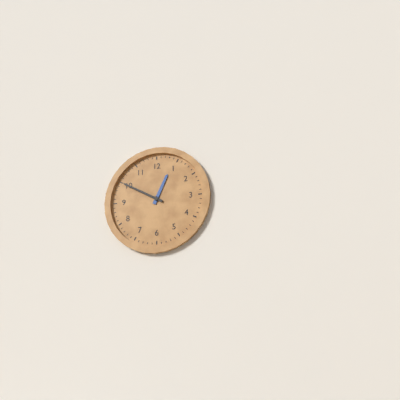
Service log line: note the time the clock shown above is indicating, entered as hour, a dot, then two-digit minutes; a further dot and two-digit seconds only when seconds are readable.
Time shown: 12.50
